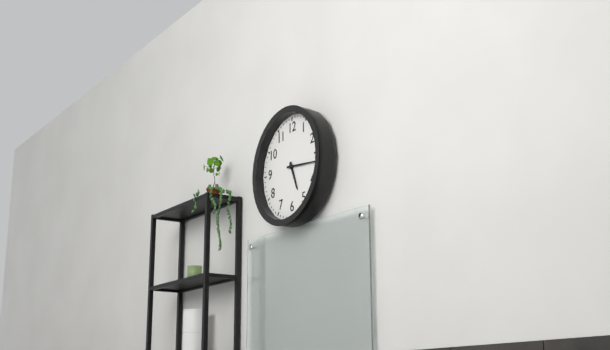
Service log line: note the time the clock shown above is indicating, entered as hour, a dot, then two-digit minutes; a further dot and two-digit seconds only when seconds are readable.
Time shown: 5.16
